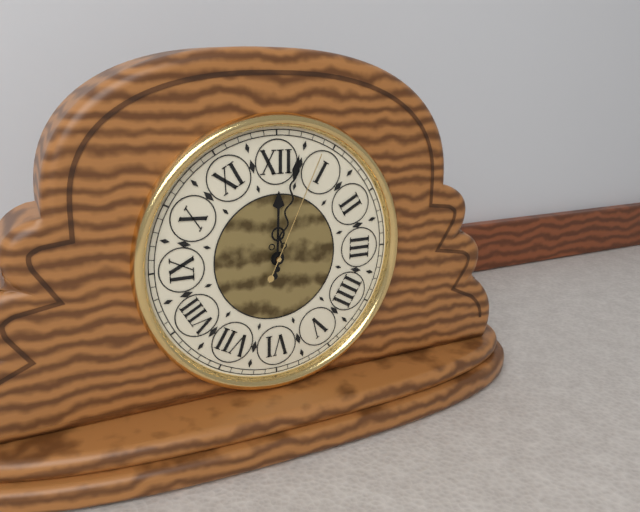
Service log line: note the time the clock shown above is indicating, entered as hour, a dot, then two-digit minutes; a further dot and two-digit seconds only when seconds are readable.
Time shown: 12.02.04
